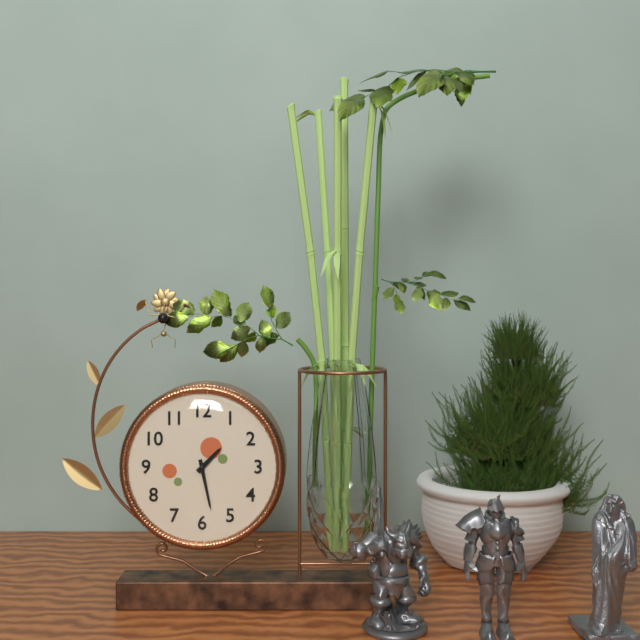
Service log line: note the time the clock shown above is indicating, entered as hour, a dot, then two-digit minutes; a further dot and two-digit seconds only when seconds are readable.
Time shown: 1.28
